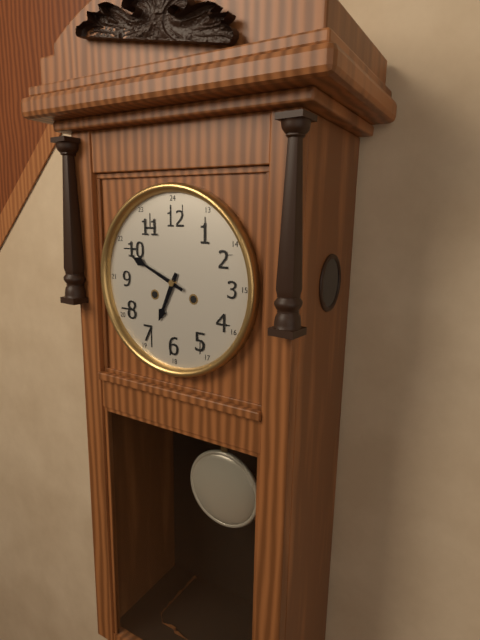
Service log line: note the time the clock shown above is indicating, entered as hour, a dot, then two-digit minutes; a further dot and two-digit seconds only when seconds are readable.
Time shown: 6.49
